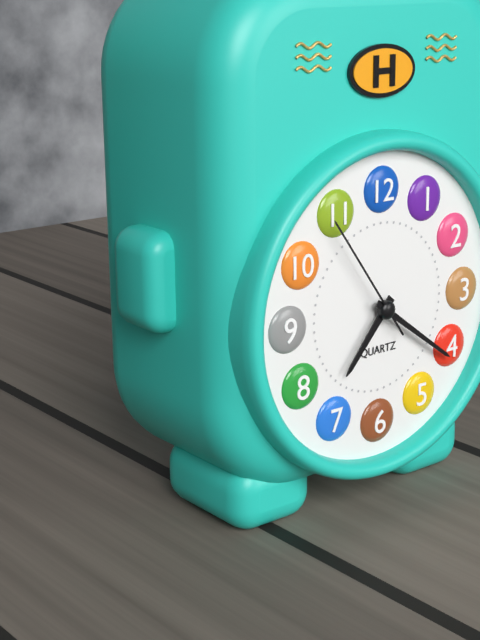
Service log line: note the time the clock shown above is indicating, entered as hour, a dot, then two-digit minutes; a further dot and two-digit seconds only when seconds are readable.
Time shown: 7.21.54
